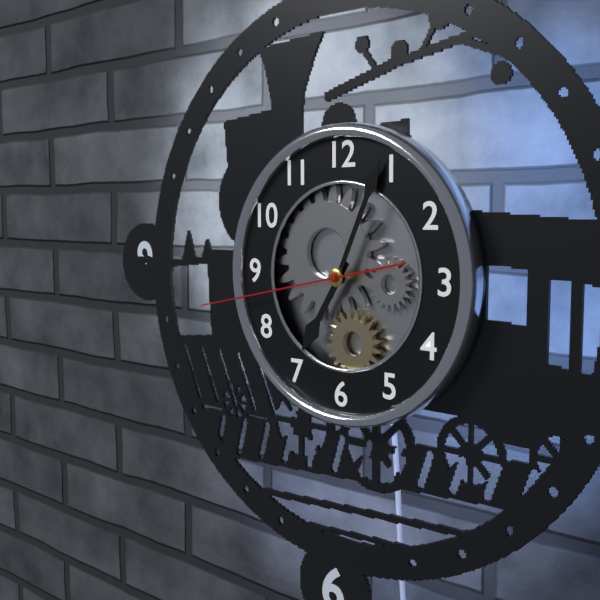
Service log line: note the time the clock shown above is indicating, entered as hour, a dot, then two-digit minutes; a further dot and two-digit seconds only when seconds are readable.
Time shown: 7.04.43
